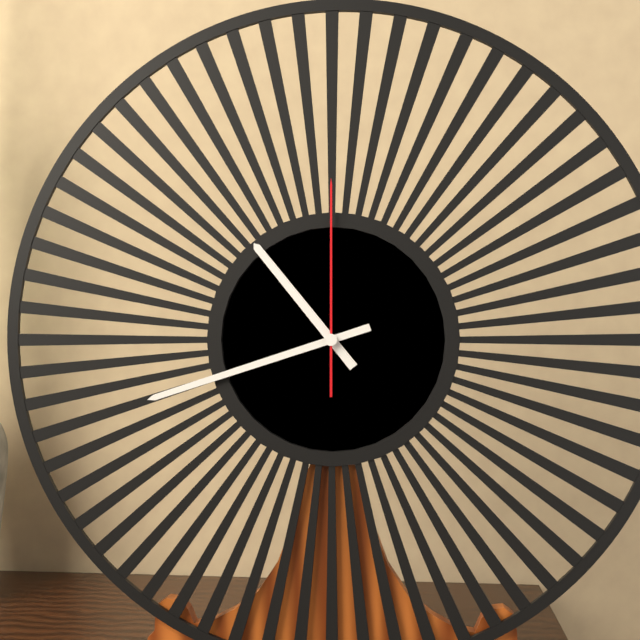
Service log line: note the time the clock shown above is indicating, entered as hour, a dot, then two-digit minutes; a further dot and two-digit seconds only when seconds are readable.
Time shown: 10.42.00
